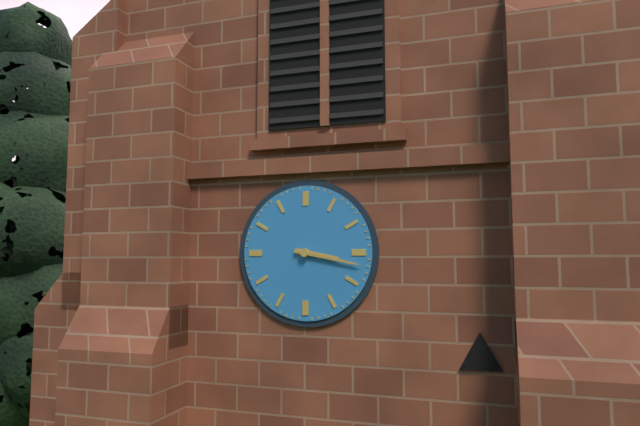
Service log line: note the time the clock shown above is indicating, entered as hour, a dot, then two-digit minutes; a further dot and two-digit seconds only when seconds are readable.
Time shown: 3.17
